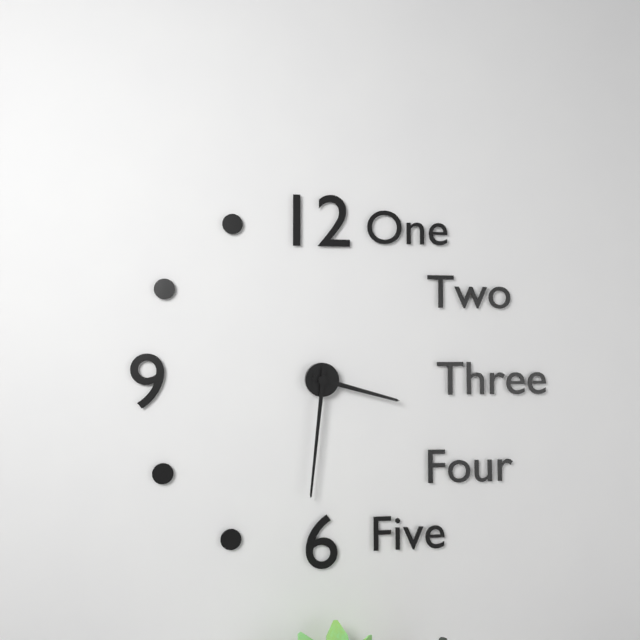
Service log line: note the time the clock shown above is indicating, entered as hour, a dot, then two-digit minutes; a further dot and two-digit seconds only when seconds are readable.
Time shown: 3.31
